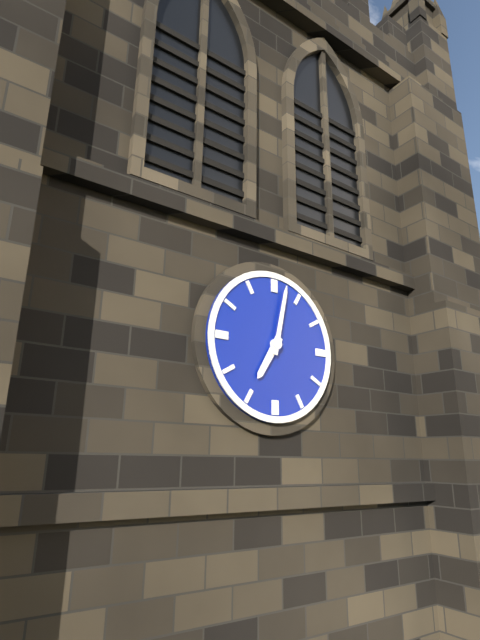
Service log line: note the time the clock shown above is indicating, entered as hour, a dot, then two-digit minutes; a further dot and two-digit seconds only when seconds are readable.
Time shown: 7.02
